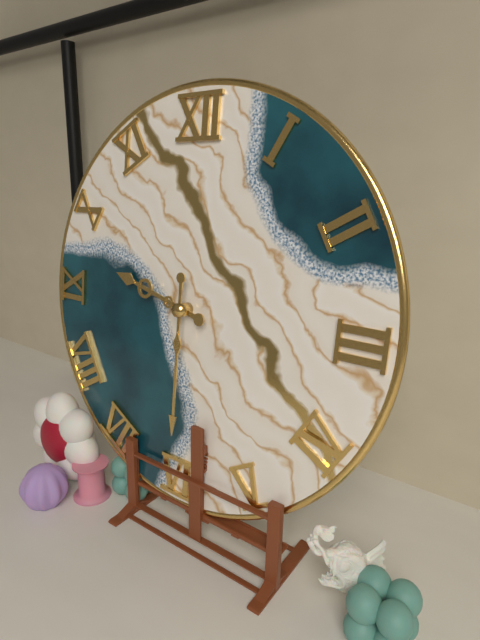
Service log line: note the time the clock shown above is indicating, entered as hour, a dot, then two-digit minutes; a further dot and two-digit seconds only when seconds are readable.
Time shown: 9.30
